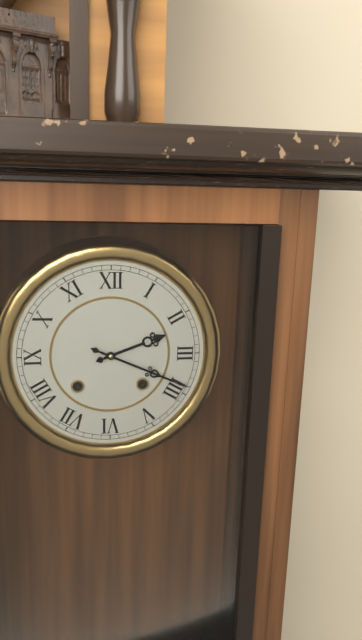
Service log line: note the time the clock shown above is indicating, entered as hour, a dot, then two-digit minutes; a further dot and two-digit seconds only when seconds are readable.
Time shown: 2.19
